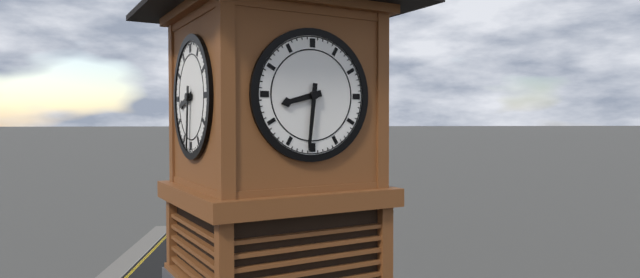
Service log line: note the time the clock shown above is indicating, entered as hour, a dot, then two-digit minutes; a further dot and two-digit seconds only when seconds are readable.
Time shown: 8.31
